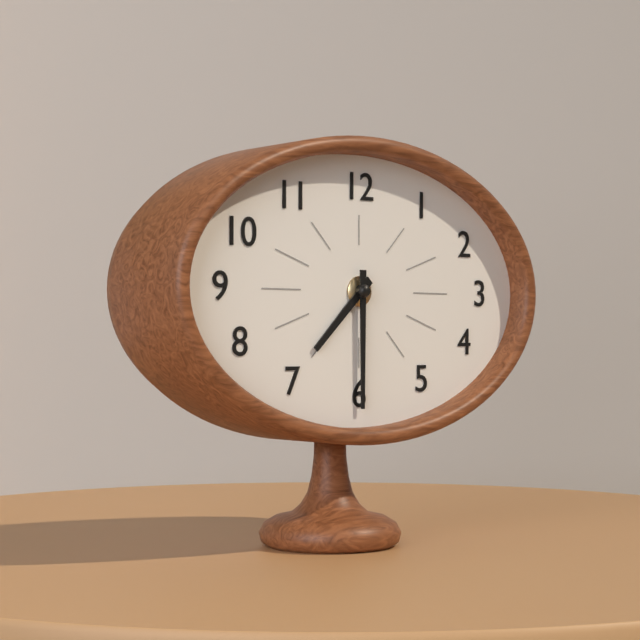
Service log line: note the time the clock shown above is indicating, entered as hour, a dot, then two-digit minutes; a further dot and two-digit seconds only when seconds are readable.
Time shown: 7.30
